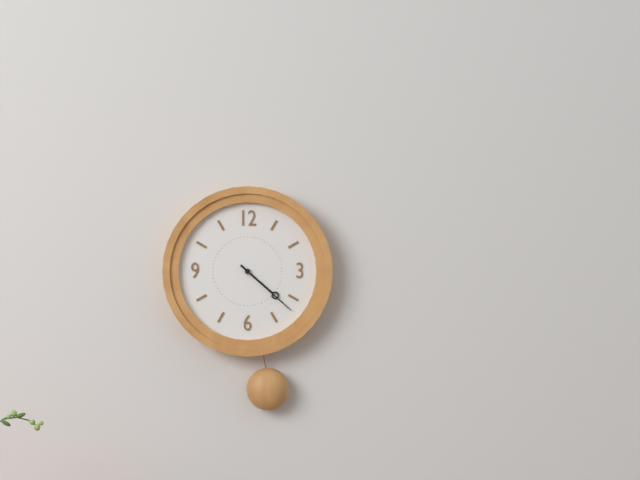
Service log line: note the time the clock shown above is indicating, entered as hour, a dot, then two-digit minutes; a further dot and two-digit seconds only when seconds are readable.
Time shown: 4.22
